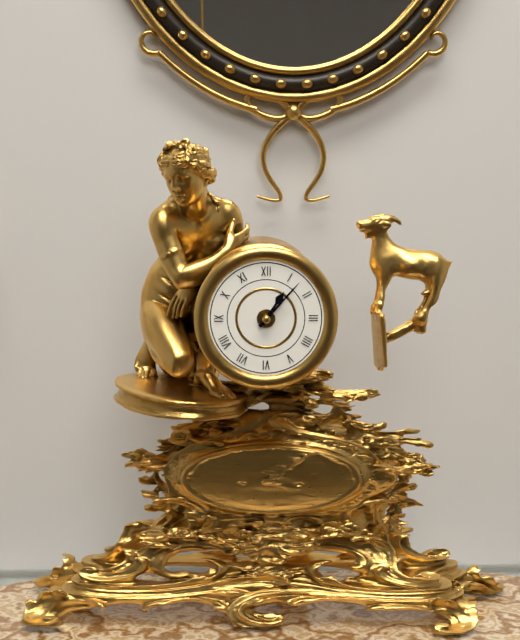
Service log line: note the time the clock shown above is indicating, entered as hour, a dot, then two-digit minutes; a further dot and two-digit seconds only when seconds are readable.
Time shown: 1.07
